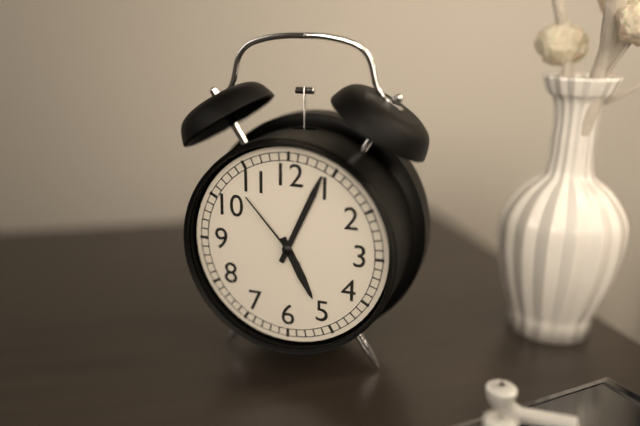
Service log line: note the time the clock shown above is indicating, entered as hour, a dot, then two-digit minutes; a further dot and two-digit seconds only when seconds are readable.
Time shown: 5.04.53
